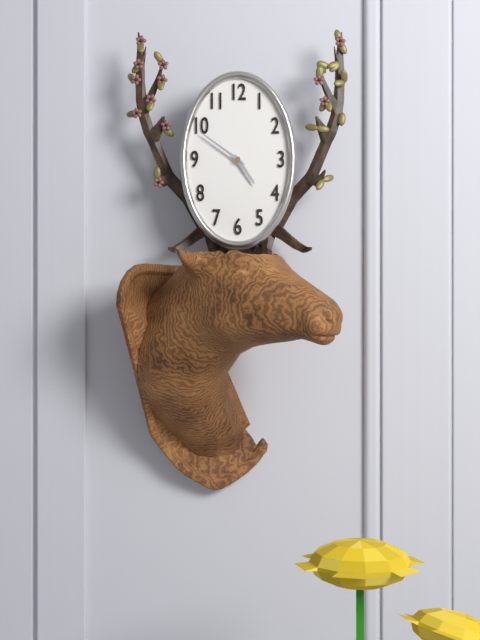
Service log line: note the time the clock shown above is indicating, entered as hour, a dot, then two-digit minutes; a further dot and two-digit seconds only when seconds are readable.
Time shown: 4.51
